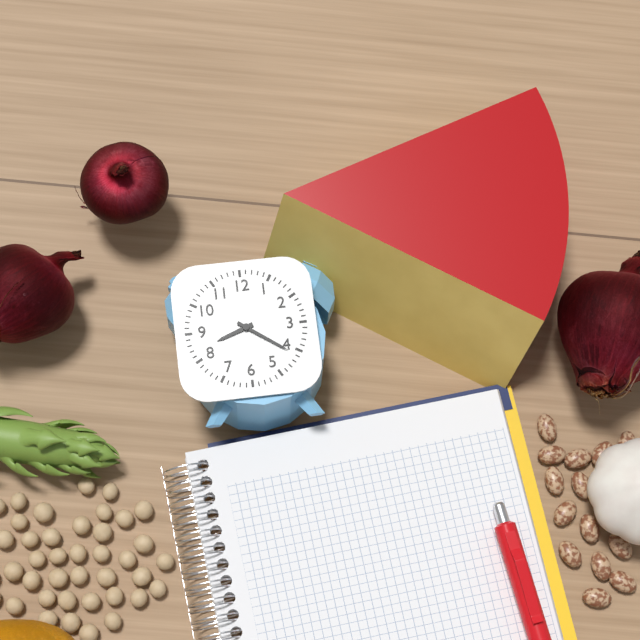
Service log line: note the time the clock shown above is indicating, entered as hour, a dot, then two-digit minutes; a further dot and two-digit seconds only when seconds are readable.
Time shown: 8.21
